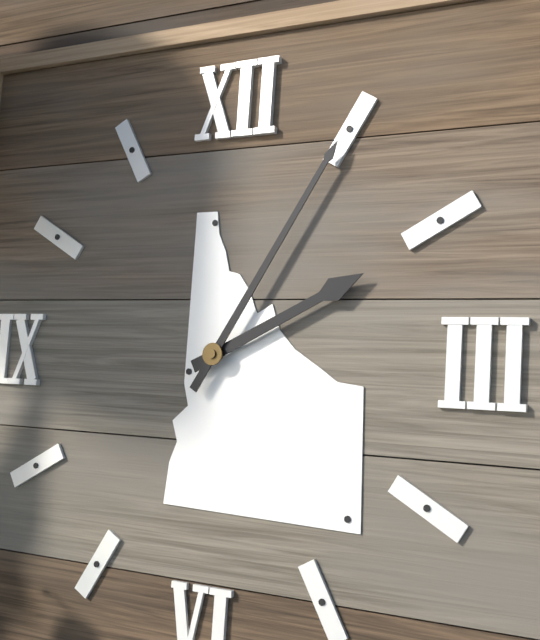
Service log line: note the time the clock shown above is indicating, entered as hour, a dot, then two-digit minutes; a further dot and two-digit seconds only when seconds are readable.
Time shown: 2.05
